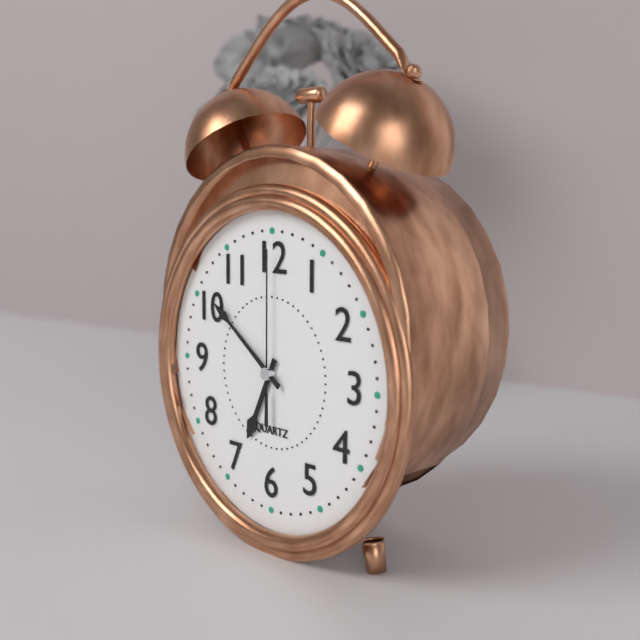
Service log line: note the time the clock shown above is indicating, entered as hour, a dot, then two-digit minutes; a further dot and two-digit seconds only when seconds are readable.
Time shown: 6.51.00
